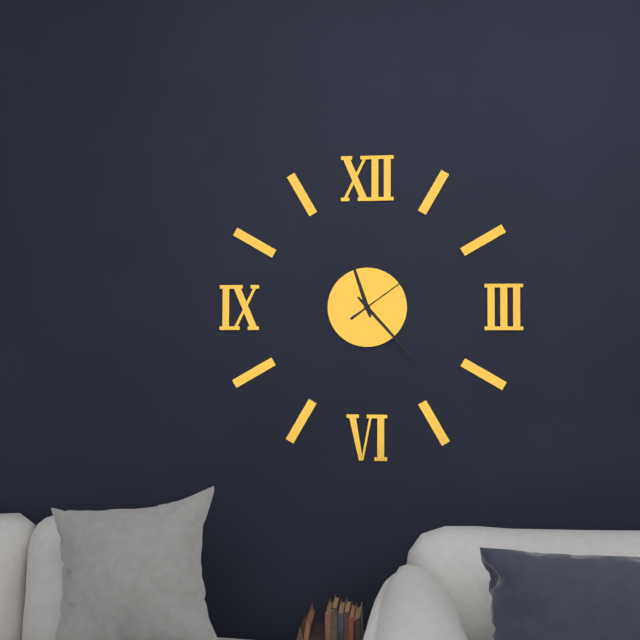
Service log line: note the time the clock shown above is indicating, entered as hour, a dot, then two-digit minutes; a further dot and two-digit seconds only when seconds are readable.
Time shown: 11.23.09
